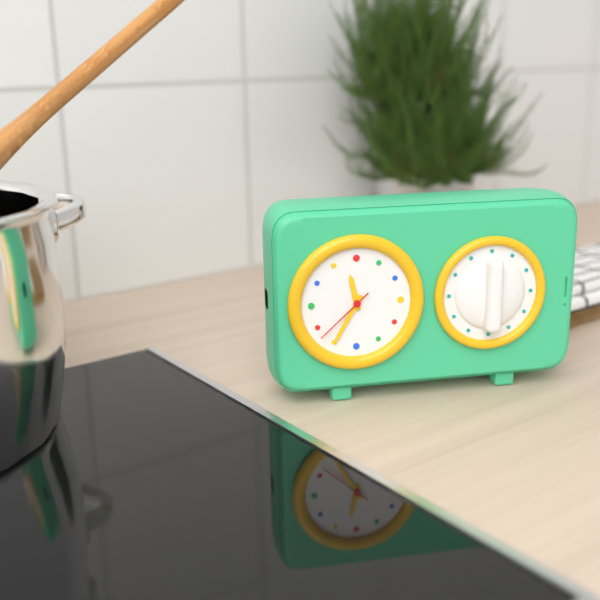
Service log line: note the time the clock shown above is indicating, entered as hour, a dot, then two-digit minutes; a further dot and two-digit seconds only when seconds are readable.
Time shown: 11.35.38
